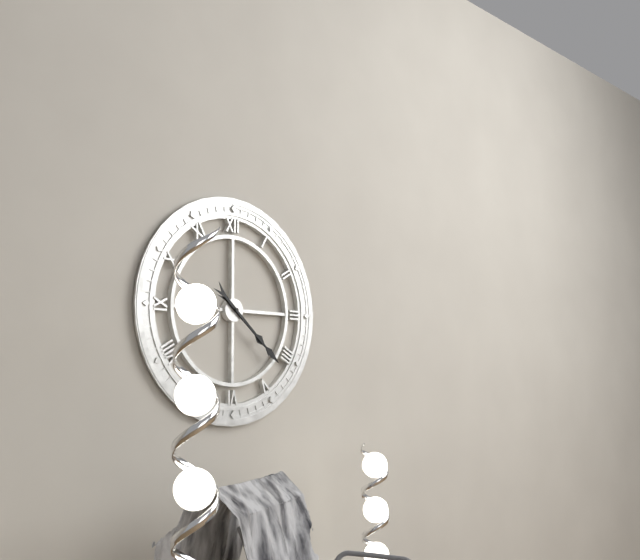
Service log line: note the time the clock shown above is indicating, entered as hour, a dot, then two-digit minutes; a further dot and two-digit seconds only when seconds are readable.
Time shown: 4.22
